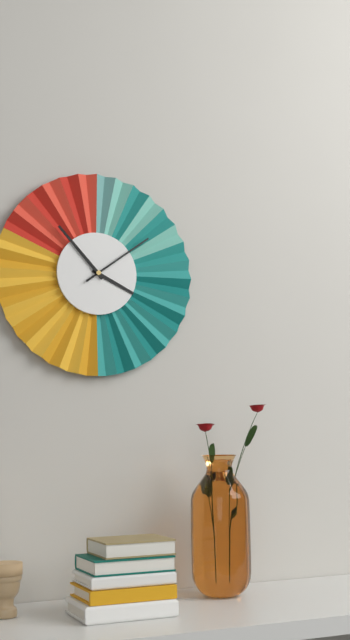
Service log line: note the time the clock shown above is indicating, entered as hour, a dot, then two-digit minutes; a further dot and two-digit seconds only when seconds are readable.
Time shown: 3.53.09
